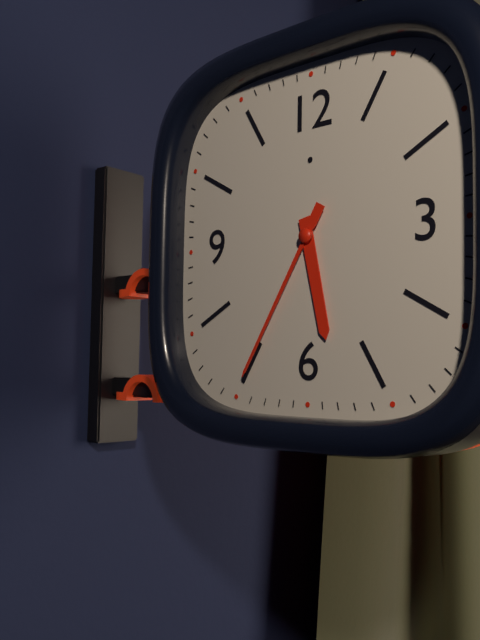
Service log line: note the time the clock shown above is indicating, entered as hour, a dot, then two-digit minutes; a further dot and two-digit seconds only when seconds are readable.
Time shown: 5.35
